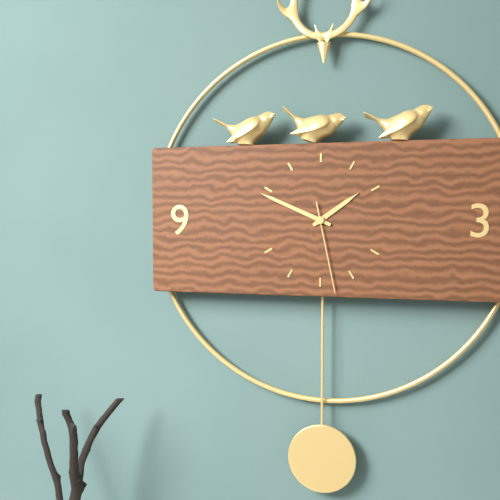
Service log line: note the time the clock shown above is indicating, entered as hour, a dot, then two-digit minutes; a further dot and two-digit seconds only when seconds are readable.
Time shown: 1.49.28
